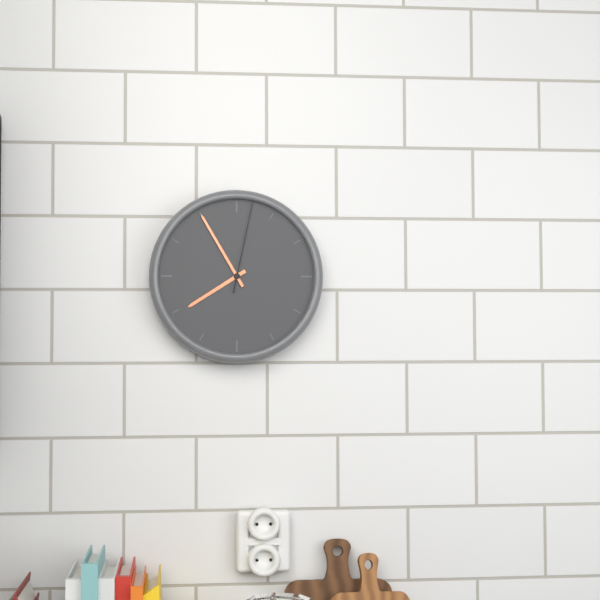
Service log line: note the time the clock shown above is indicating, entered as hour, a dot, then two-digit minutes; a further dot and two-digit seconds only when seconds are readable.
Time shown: 7.55.02
